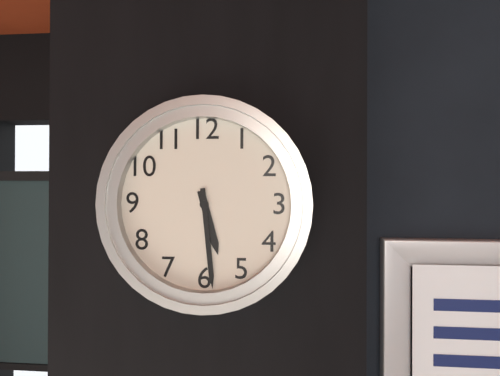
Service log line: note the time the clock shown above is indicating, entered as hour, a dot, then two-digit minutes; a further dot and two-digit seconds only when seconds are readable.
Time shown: 5.29
